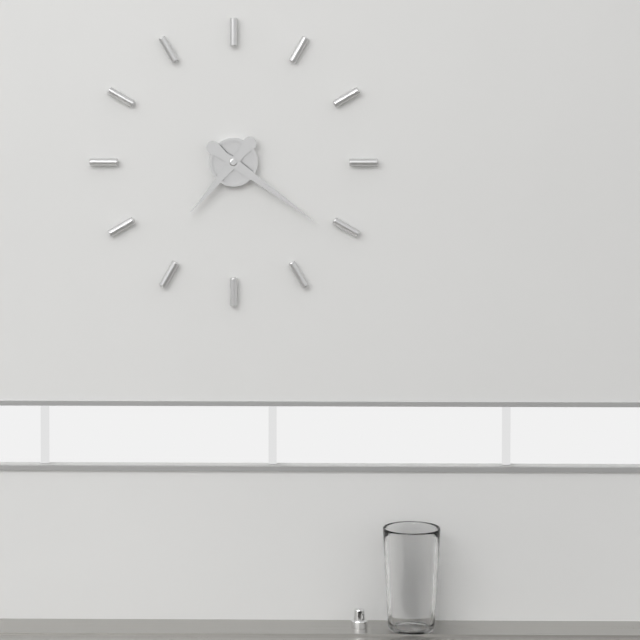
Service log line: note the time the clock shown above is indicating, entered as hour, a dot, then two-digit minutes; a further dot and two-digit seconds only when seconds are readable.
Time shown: 7.21
